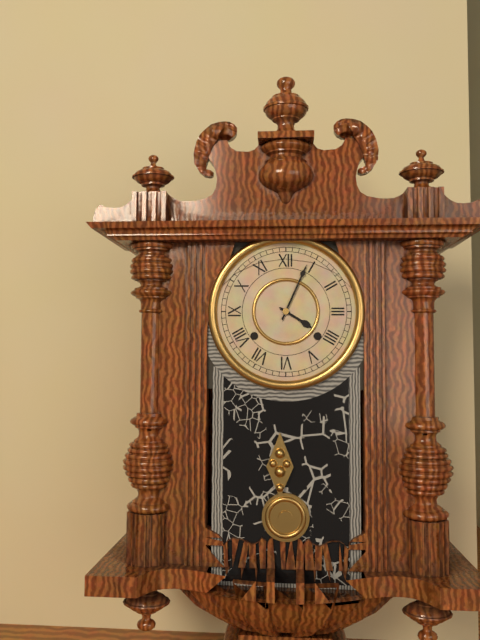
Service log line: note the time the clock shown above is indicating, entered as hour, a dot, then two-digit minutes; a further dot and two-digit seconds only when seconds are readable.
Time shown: 4.04
